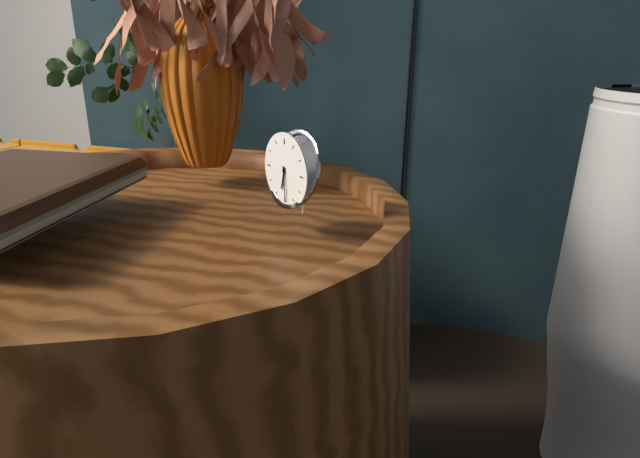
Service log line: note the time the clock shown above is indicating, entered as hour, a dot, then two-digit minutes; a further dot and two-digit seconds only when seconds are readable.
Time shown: 6.29
